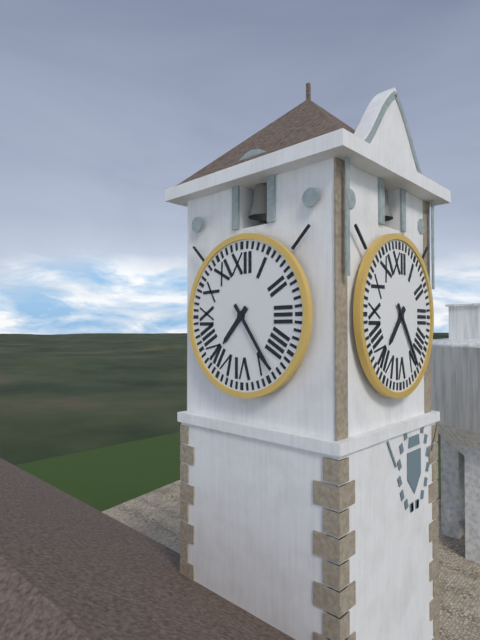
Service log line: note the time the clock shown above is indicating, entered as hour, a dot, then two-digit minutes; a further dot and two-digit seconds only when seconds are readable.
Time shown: 7.24
